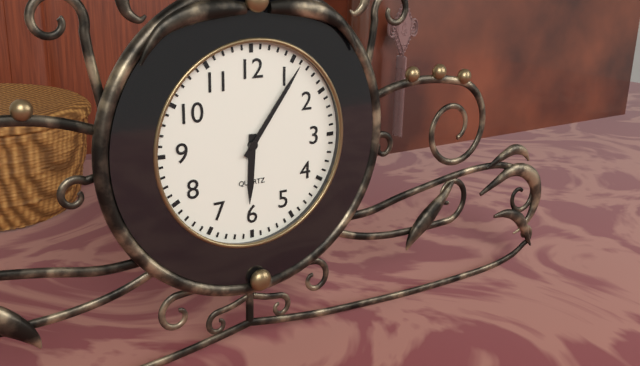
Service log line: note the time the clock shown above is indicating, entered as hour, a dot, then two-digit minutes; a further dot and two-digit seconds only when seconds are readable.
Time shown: 6.06
